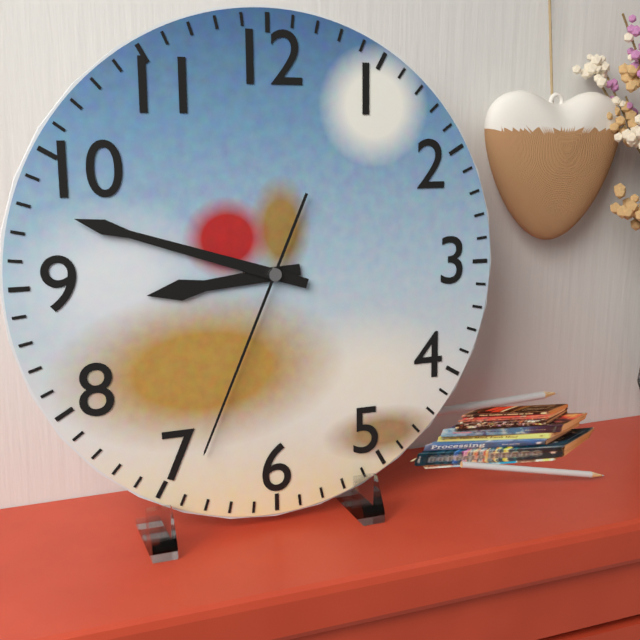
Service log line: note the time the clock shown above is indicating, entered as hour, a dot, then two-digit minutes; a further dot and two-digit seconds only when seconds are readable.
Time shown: 8.48.34
